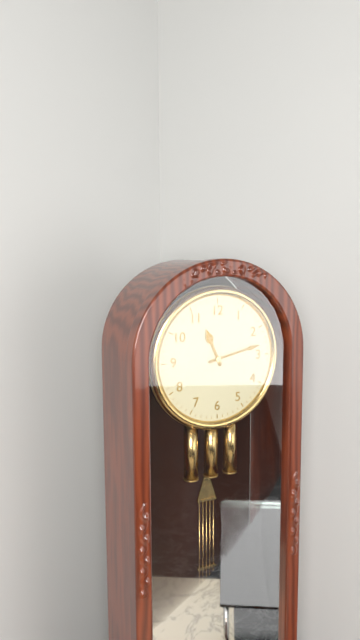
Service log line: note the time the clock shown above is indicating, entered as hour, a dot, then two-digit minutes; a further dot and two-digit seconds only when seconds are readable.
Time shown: 11.13
